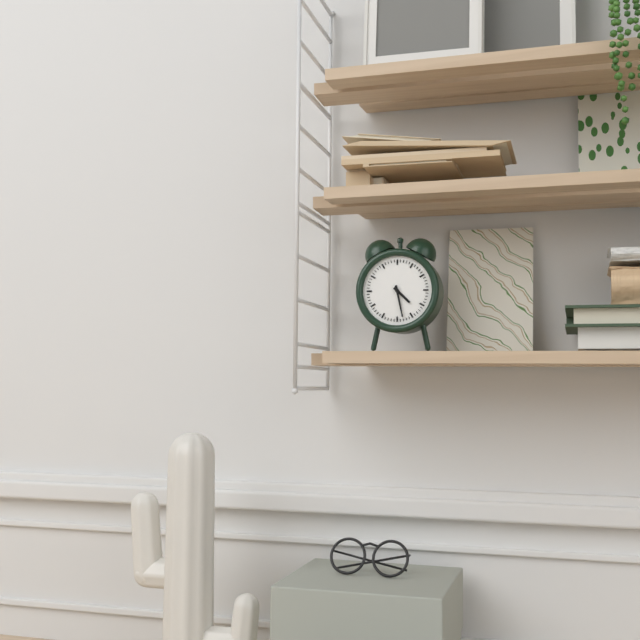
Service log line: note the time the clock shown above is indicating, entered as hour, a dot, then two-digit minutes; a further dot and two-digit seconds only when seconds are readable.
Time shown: 4.28
